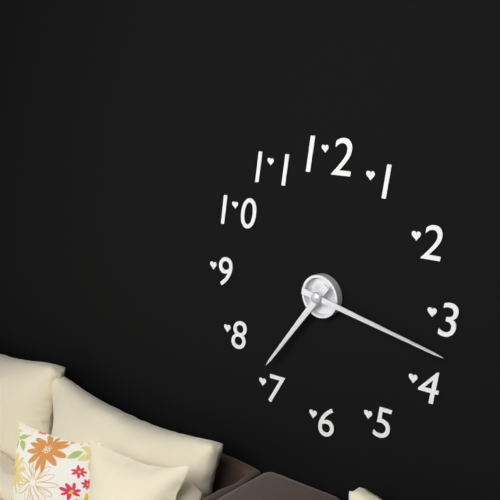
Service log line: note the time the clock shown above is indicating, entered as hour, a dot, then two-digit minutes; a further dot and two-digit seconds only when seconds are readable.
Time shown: 7.17
